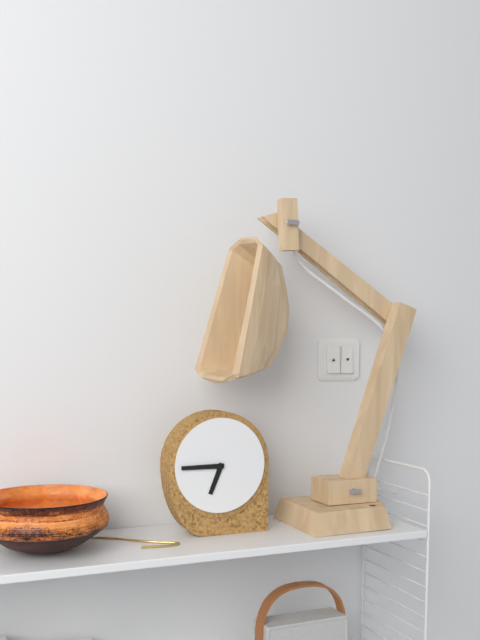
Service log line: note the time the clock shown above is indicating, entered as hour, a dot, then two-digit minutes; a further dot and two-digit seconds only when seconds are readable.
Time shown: 6.45
